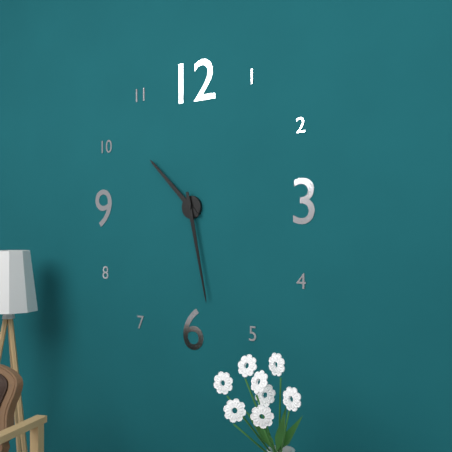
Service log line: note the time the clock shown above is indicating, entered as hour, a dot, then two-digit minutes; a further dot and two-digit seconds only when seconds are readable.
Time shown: 10.28
